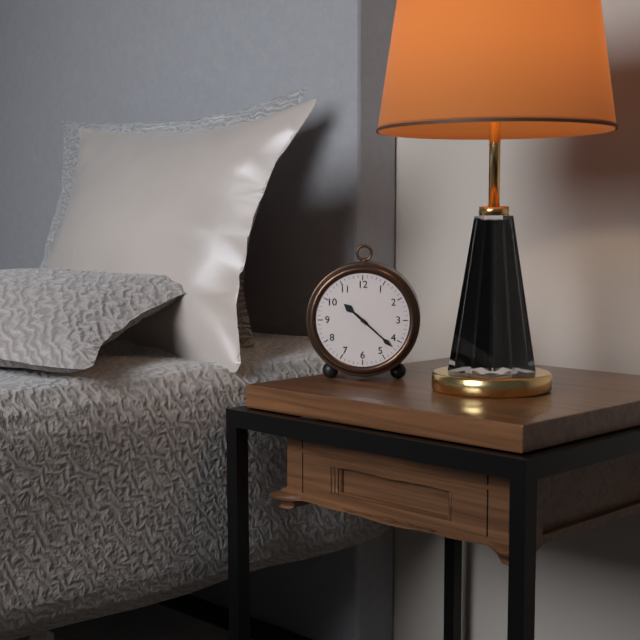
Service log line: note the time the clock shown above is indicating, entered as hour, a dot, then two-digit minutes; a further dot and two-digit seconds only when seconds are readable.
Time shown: 10.22
